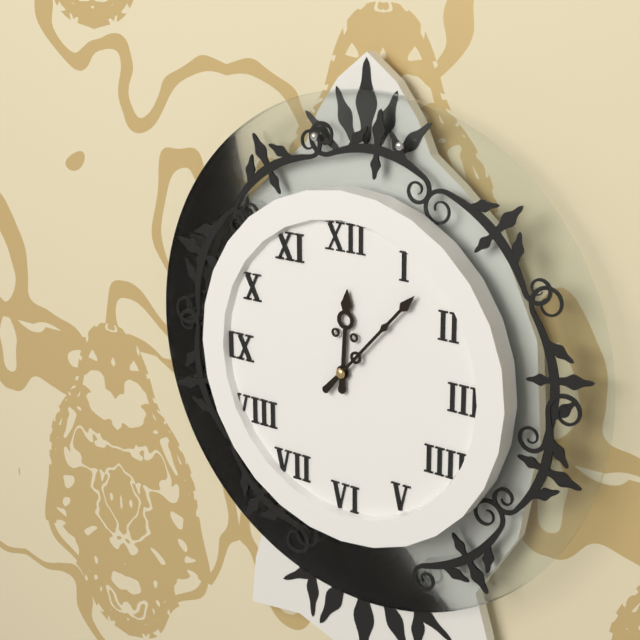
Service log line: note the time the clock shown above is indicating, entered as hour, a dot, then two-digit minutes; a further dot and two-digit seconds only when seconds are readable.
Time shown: 12.07
